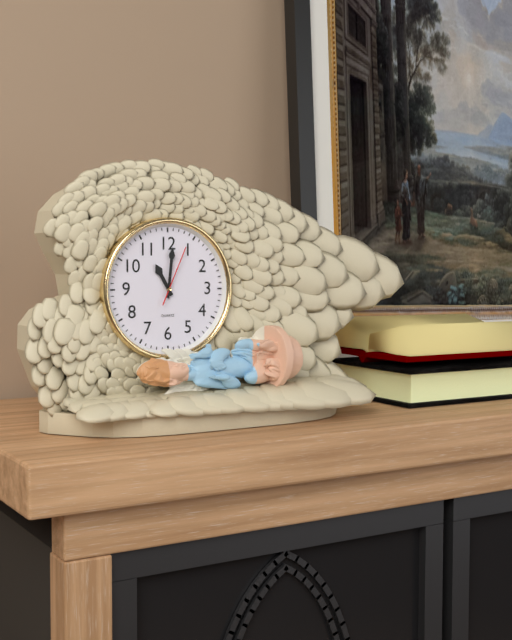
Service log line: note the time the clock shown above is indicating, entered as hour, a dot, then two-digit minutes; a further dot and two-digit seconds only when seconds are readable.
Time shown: 11.01.04
